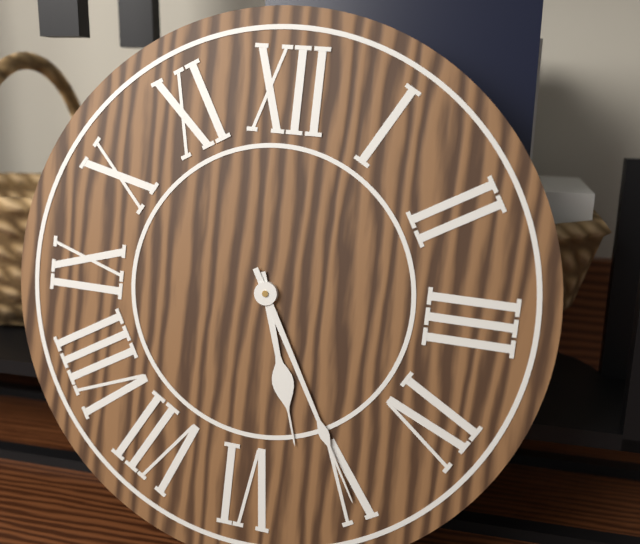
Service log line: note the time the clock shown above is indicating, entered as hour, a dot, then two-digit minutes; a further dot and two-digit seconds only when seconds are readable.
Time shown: 5.25
